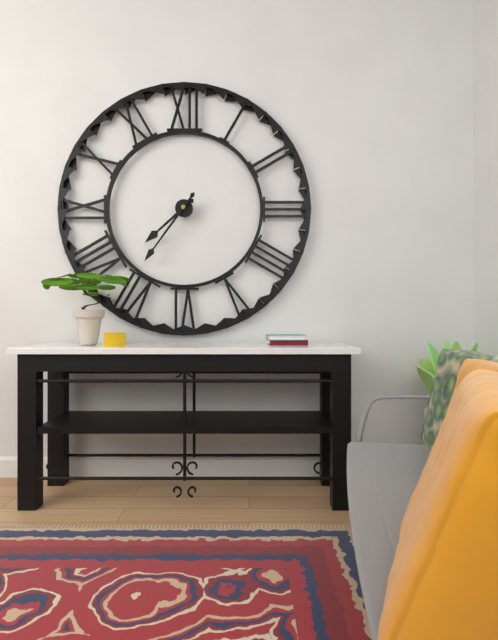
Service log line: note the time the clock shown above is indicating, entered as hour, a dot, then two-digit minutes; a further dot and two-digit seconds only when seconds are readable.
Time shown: 7.36
